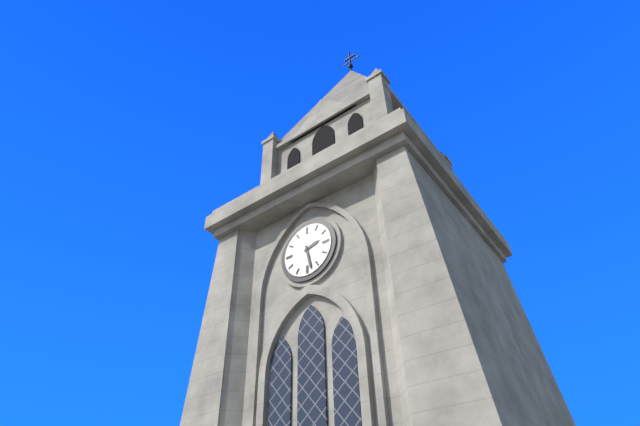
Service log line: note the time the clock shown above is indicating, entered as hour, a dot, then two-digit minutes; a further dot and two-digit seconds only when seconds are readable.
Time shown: 2.28
